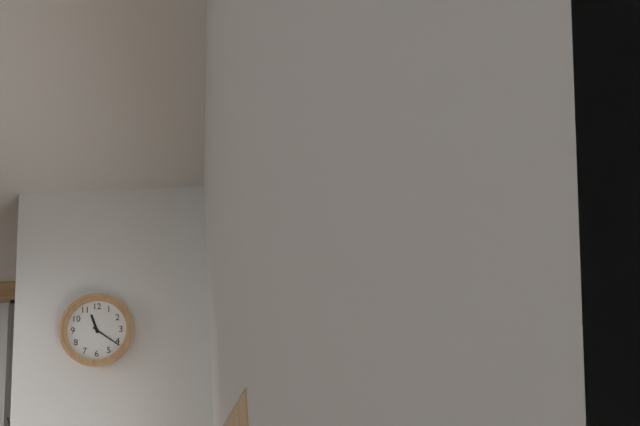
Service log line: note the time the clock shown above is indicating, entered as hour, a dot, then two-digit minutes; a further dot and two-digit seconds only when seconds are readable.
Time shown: 11.21
